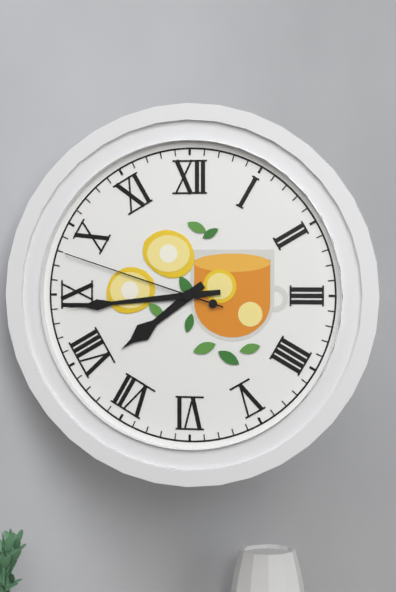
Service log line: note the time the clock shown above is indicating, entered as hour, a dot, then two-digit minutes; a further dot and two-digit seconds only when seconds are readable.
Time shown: 7.44.48
